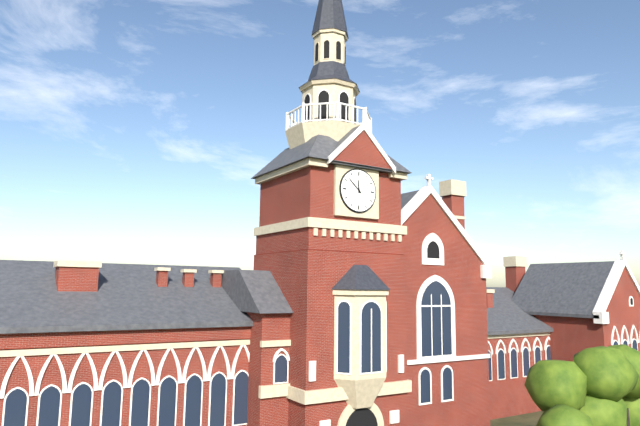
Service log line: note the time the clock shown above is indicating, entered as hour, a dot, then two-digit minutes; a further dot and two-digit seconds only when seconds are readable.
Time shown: 11.52
